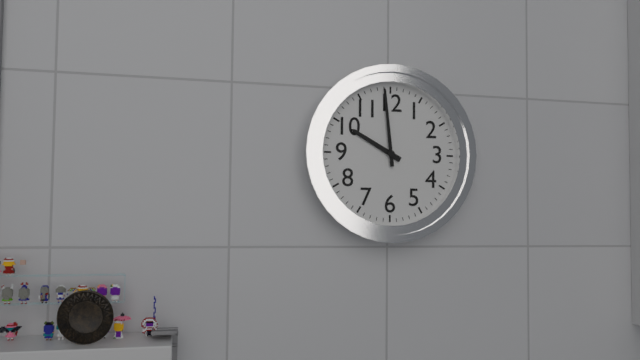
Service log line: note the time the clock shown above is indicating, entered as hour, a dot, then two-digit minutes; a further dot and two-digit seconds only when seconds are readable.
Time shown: 9.59
